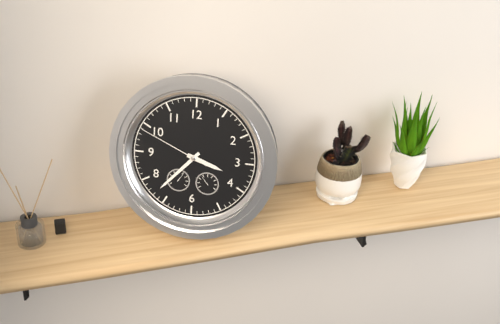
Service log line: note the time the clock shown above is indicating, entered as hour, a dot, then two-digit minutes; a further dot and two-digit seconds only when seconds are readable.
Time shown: 3.37.49
